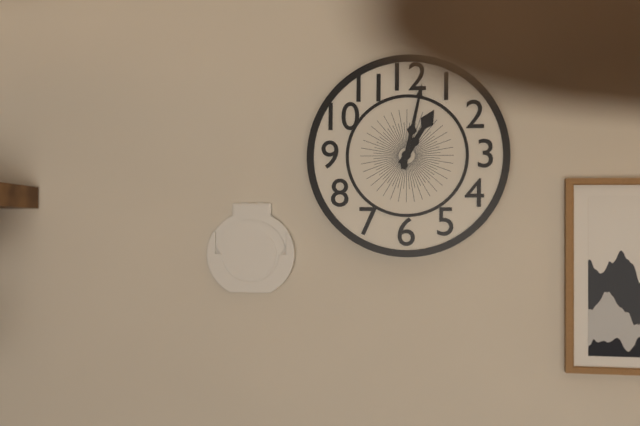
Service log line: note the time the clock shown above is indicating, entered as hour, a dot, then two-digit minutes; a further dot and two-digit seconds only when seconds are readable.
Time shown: 1.02
